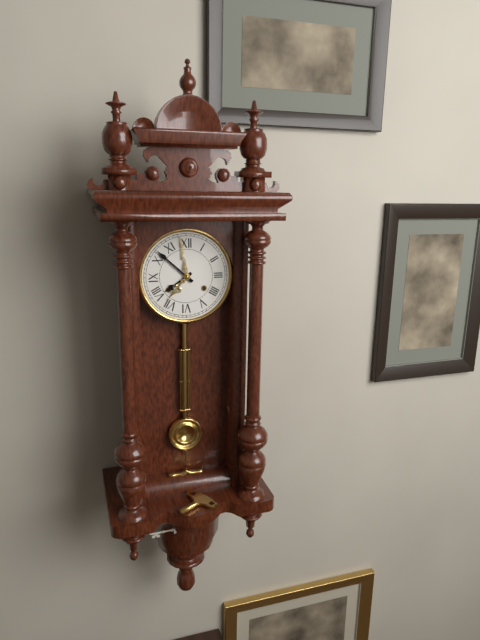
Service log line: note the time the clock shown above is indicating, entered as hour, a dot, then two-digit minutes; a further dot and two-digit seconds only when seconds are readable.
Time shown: 7.52
